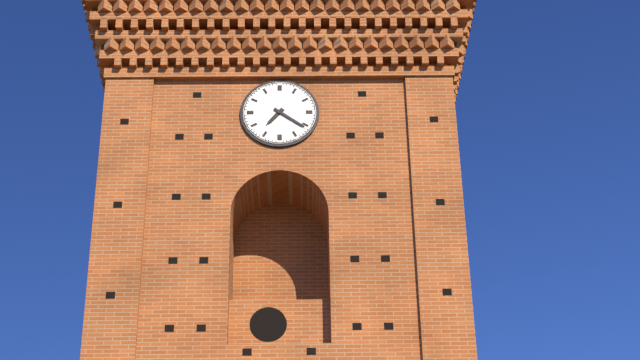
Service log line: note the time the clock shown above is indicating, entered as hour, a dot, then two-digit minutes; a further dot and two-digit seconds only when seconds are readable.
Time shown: 7.21
